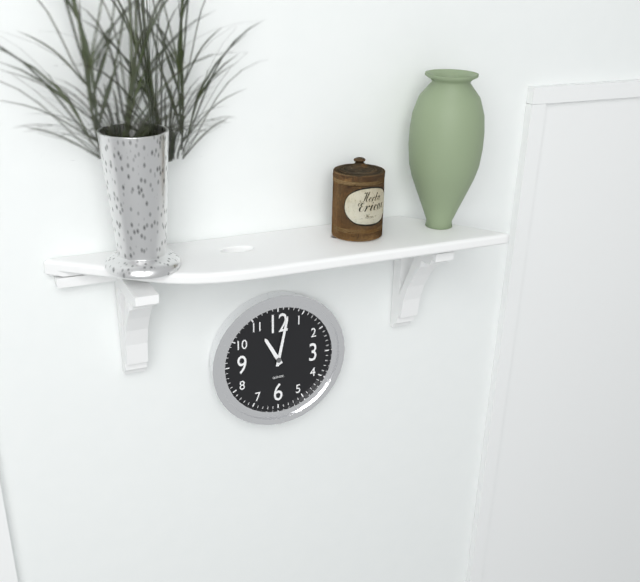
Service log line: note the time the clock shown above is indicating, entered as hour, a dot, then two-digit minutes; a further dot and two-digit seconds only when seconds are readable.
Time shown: 11.02
